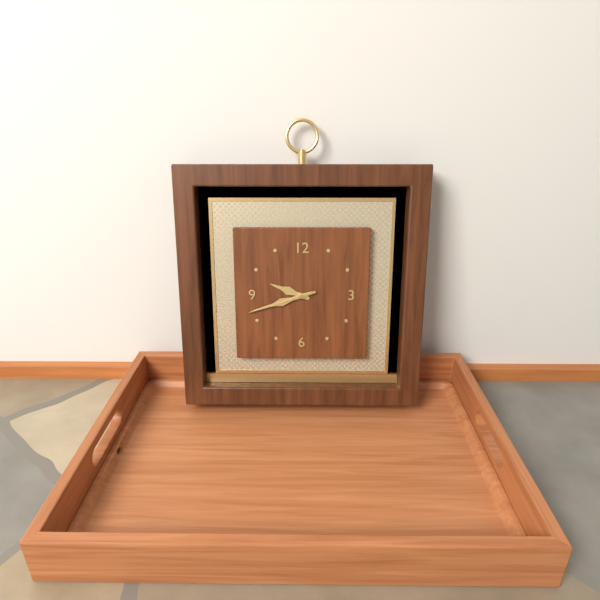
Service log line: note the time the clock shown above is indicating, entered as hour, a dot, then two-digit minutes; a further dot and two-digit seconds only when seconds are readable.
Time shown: 9.42.42
